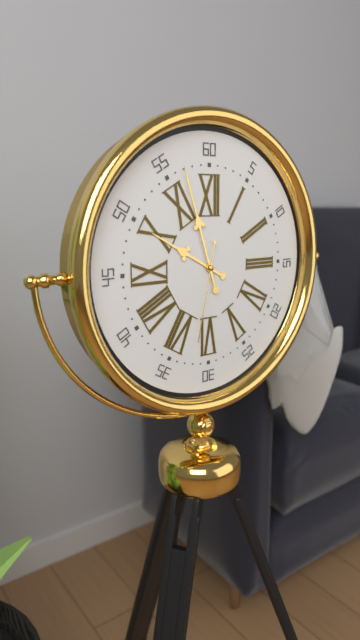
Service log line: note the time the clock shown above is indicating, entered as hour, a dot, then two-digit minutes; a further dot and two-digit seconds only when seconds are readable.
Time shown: 9.57.32
